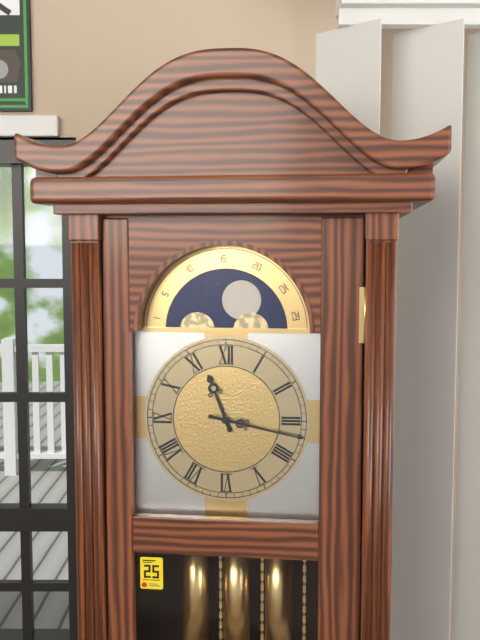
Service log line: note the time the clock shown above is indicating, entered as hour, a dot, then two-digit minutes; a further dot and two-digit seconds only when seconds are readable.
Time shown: 11.17
